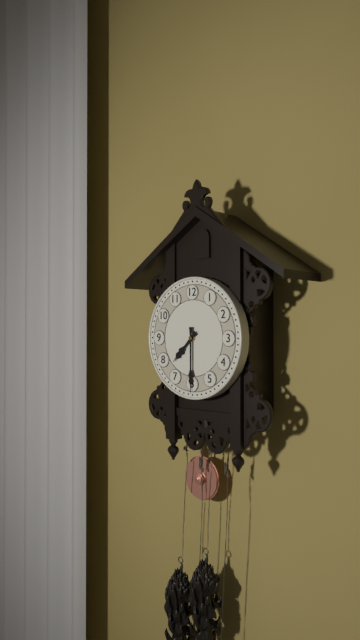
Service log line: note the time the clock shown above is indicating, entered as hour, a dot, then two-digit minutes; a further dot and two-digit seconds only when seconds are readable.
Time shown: 7.30
